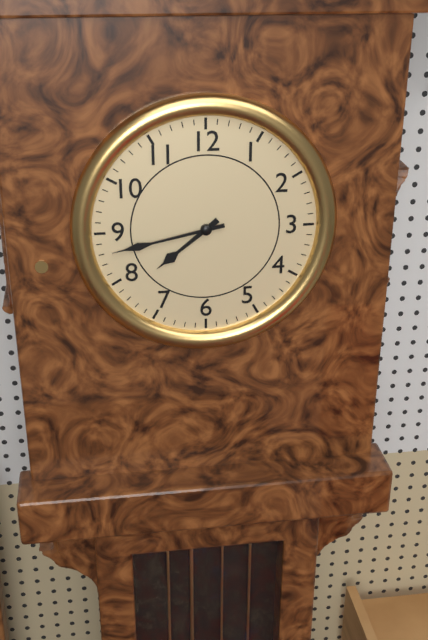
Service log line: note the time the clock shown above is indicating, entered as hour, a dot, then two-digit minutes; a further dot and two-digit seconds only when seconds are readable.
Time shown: 7.43
